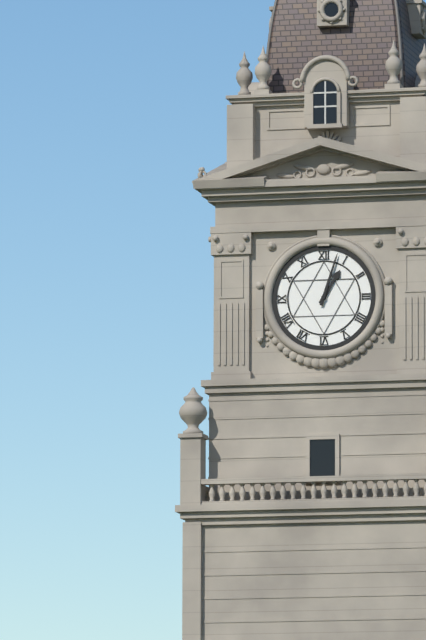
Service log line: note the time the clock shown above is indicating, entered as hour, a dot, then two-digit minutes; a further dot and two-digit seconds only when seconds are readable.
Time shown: 1.03
